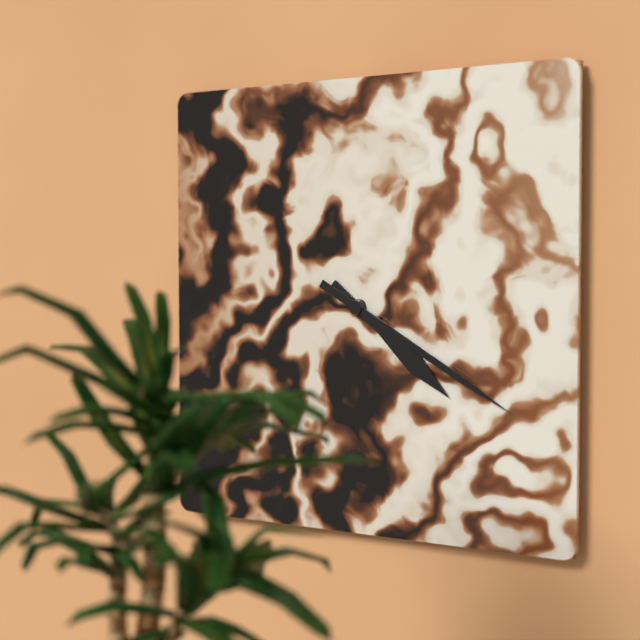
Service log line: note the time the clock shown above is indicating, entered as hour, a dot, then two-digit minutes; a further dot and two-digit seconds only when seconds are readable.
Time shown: 4.20
